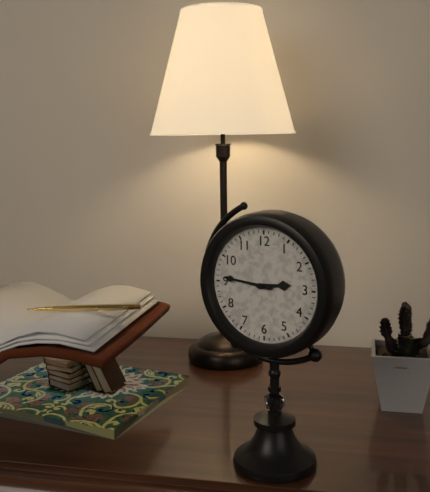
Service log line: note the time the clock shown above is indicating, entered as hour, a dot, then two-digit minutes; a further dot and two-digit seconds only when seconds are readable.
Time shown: 2.46
